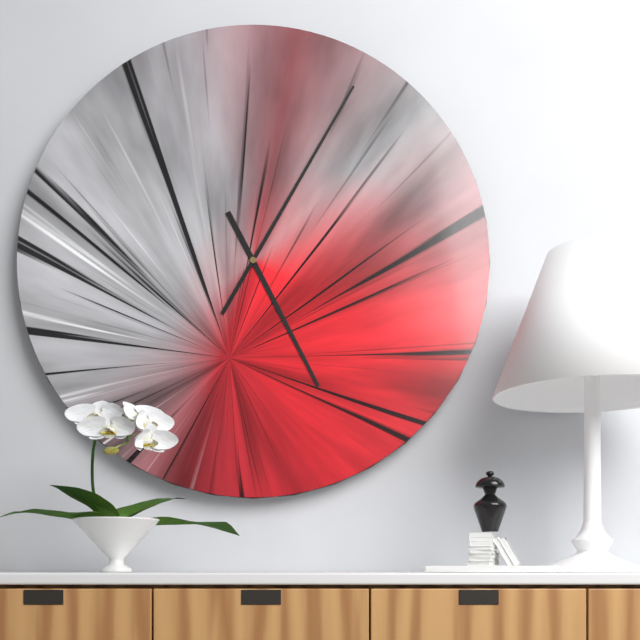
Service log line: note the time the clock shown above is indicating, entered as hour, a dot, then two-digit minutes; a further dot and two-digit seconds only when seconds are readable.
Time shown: 5.05
